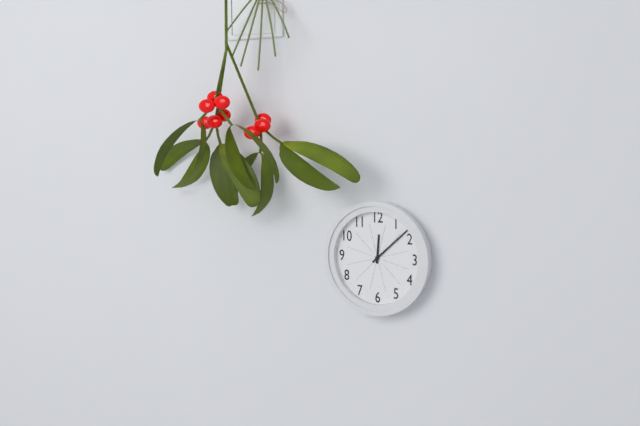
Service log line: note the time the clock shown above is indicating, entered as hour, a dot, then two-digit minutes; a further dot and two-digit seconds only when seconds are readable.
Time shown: 12.08
